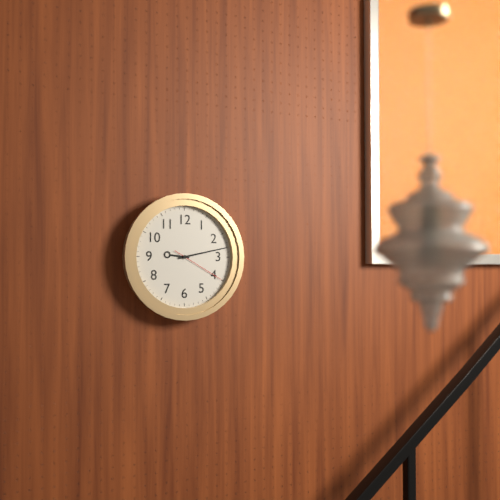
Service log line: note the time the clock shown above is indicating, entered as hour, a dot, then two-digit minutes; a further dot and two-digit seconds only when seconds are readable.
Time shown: 9.13.20
